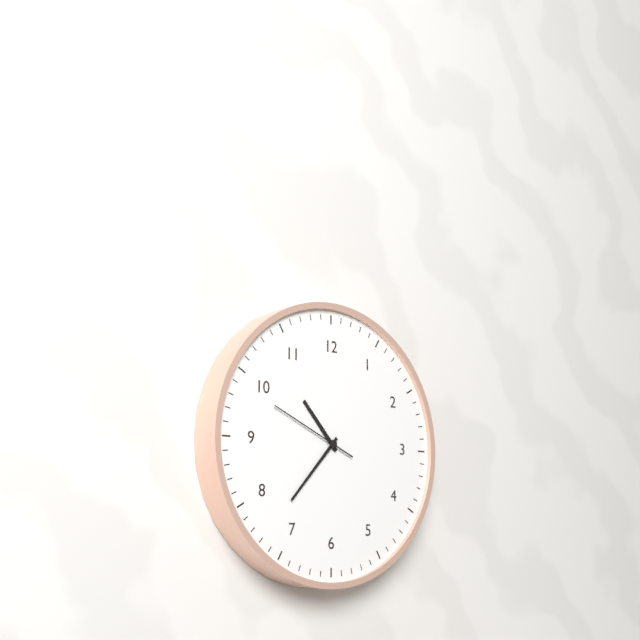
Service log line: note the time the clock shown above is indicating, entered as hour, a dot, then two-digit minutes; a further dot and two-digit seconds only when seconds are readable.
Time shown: 10.37.49
